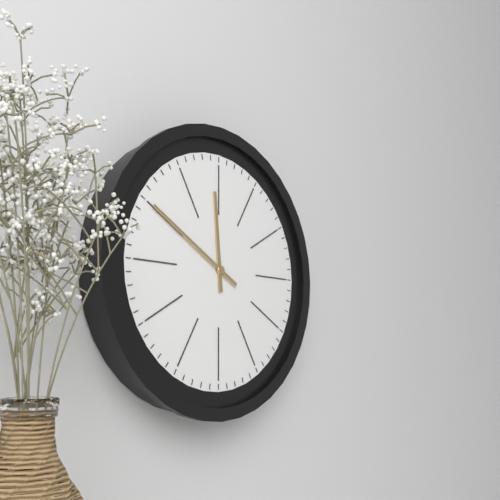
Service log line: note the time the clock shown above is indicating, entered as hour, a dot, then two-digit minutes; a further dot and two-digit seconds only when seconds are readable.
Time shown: 11.50
